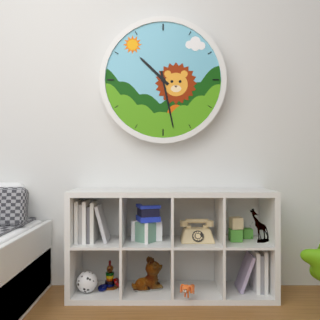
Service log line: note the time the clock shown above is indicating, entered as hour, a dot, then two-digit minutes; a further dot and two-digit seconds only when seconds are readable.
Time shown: 10.28
